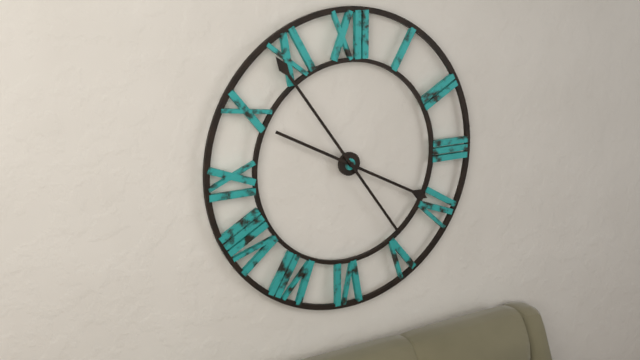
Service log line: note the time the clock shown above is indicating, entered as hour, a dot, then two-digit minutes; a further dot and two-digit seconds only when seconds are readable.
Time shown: 3.54
